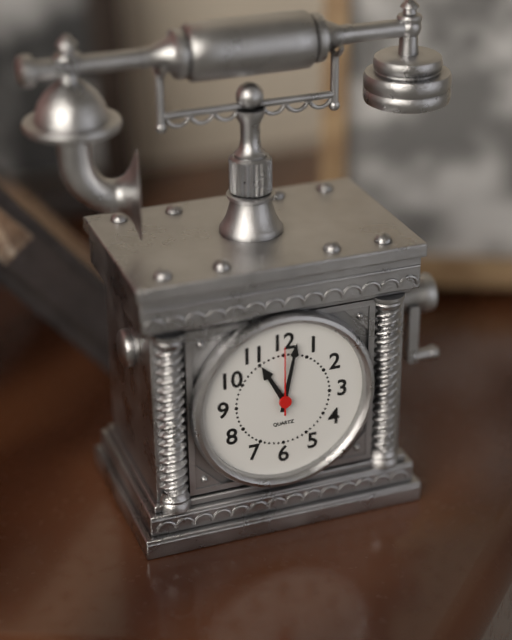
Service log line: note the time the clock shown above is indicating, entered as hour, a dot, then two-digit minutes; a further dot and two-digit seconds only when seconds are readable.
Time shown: 11.02.00
